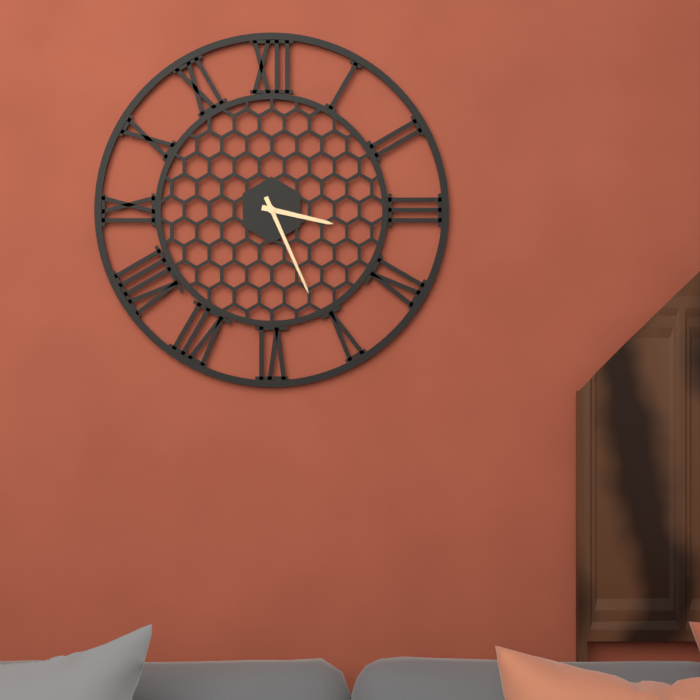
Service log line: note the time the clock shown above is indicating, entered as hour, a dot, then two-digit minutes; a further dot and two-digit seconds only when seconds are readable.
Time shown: 3.26
